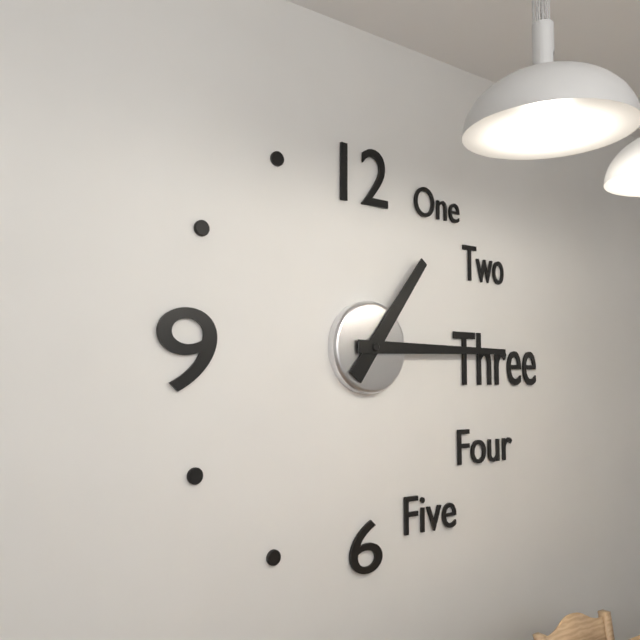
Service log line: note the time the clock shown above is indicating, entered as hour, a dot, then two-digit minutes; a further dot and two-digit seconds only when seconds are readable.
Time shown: 1.15
